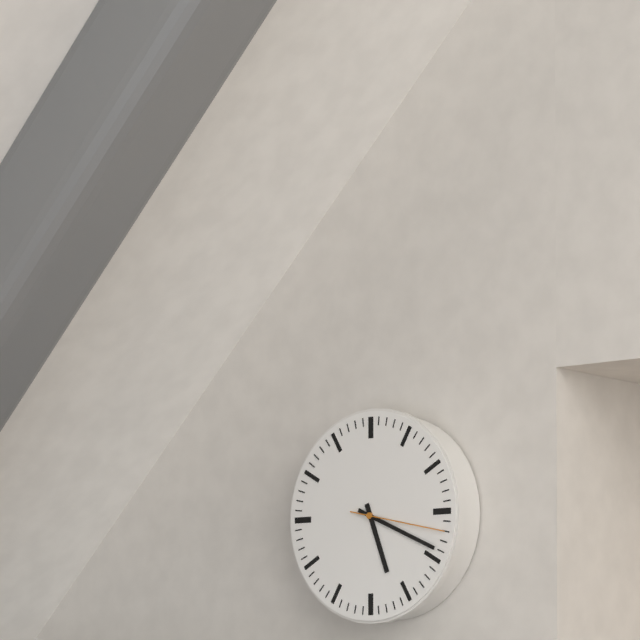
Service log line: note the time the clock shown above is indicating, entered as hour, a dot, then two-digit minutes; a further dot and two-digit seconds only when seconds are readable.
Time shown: 5.19.17
